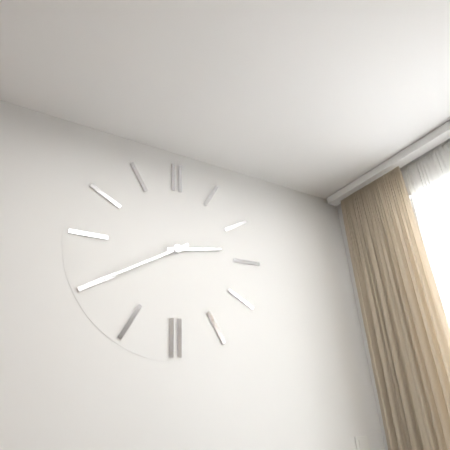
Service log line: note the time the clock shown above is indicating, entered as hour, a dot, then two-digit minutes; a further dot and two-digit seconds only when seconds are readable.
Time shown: 2.40
